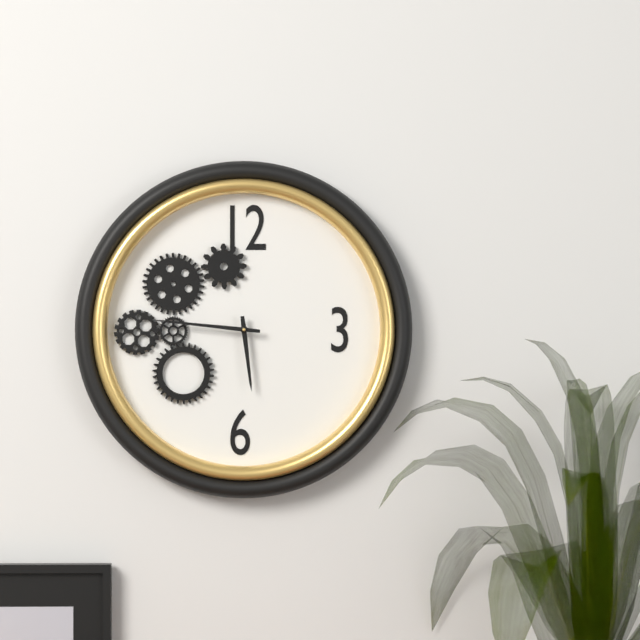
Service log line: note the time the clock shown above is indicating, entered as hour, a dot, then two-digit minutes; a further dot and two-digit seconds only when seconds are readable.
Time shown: 5.46
